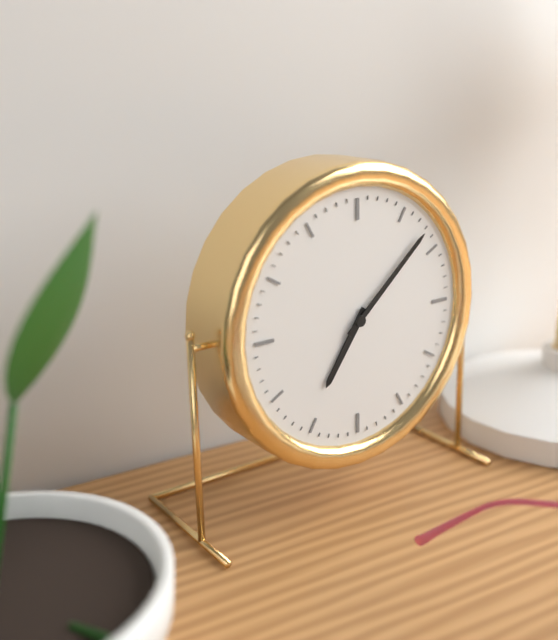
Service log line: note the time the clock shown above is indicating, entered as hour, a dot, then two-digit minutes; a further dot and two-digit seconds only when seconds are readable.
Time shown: 7.08
